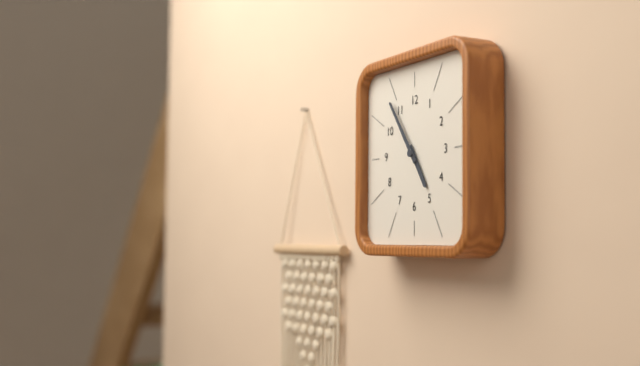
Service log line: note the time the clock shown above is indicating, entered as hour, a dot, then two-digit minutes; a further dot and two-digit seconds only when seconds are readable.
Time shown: 4.54
